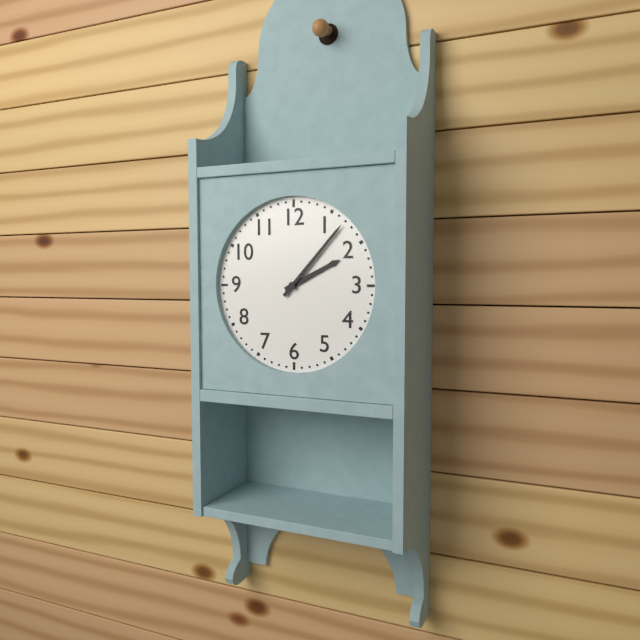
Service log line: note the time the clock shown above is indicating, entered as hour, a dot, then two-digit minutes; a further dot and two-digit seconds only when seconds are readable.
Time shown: 2.07
